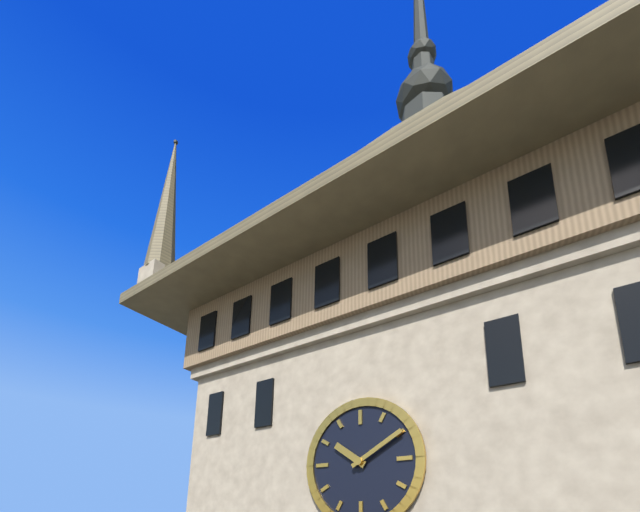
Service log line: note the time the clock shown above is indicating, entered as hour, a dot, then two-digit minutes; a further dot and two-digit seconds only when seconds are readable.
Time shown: 10.10
